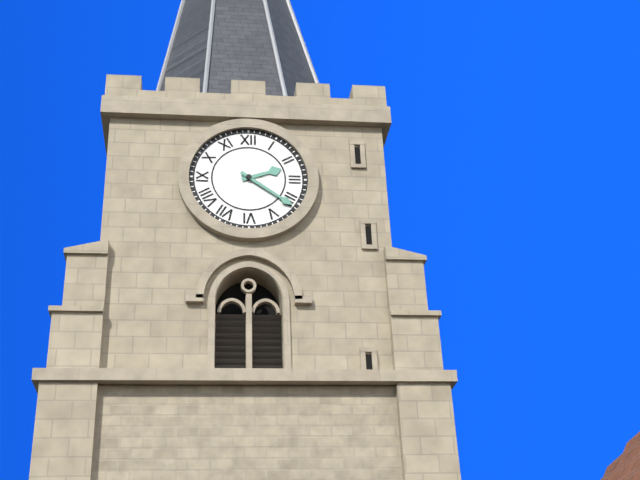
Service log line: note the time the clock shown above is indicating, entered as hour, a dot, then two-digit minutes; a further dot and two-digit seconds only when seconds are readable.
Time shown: 2.21
